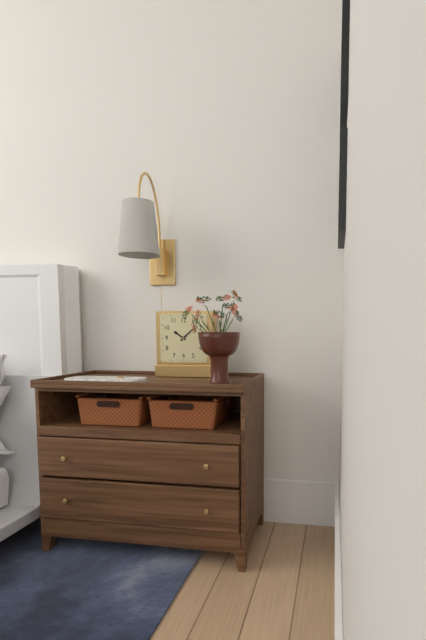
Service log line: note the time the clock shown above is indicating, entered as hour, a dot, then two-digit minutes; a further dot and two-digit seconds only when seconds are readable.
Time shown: 10.08
